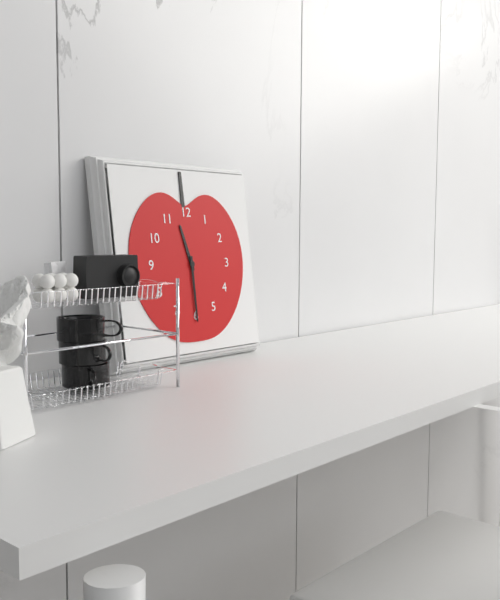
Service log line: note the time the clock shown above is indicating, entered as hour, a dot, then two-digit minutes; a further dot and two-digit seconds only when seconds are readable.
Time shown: 11.30
